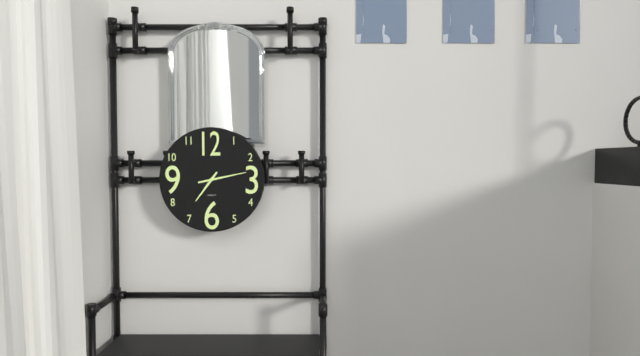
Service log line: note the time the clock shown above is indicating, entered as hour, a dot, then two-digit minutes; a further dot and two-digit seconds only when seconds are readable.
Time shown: 7.13
